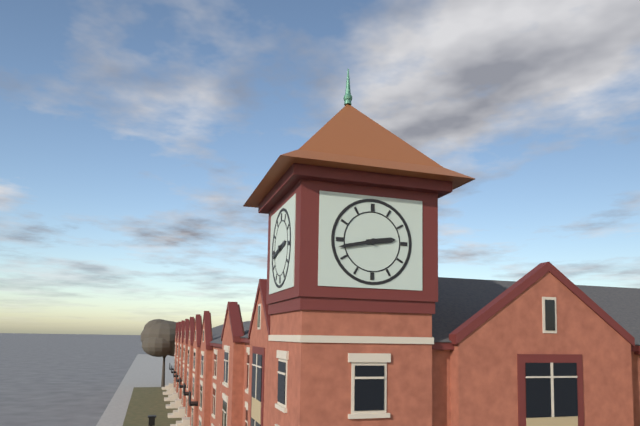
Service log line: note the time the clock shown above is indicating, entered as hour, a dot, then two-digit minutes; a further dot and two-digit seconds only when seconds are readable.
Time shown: 2.43
